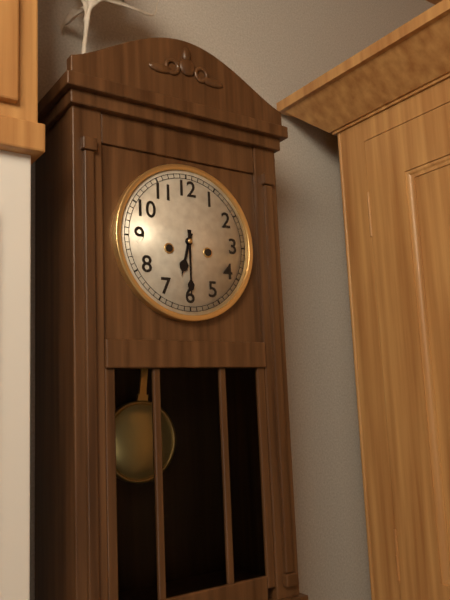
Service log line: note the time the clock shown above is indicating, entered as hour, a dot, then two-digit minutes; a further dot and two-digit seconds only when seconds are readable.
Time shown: 6.30
